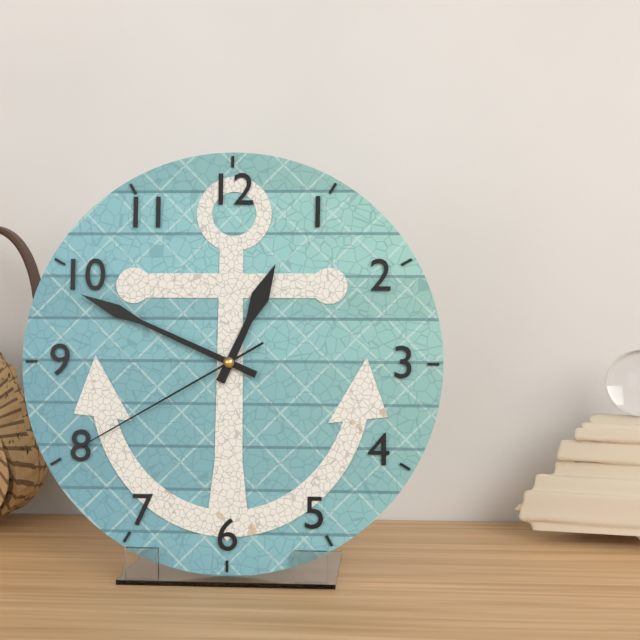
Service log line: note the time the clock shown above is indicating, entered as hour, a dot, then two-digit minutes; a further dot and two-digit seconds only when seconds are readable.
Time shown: 12.49.40
